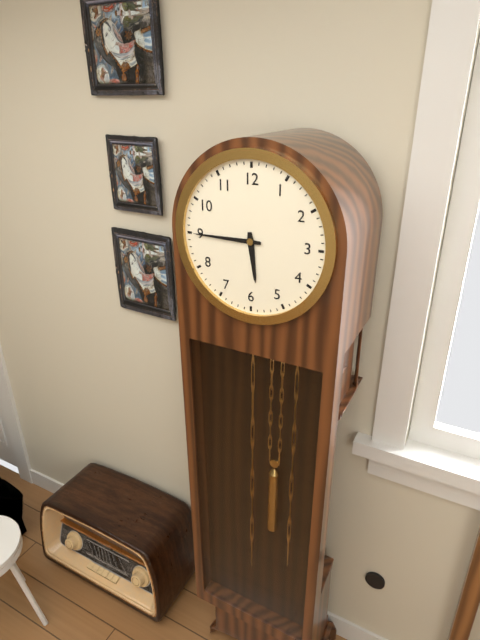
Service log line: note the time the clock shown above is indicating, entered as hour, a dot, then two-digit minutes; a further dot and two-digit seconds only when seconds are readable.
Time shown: 5.45
